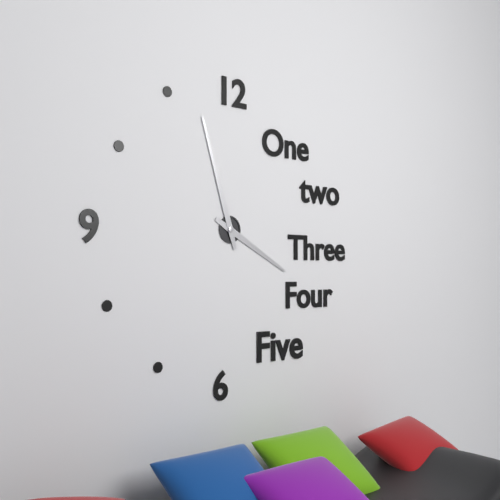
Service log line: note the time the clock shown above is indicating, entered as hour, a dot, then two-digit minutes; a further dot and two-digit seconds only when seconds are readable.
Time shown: 3.57
